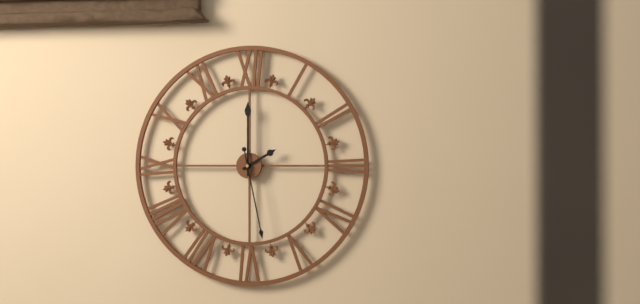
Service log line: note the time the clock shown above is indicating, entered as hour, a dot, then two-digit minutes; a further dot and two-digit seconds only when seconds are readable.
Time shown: 2.00.28
